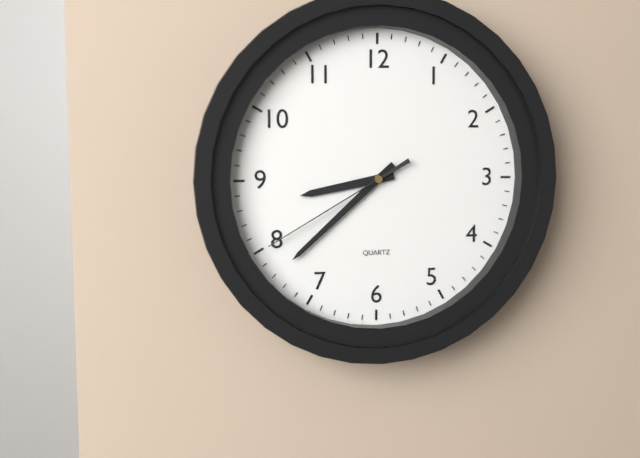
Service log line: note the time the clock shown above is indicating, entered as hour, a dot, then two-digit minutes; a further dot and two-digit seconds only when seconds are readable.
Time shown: 8.38.40
